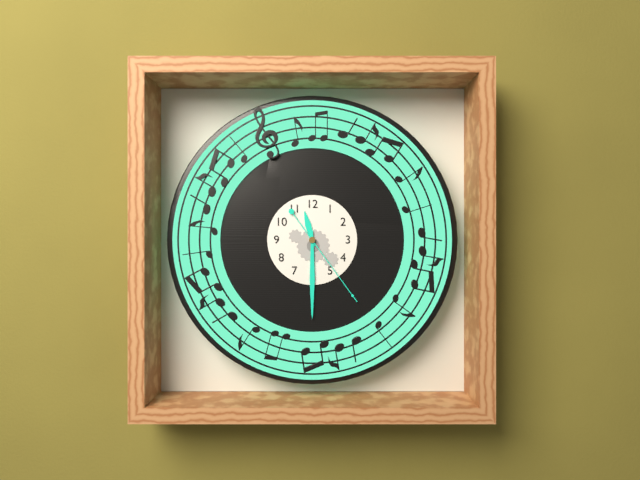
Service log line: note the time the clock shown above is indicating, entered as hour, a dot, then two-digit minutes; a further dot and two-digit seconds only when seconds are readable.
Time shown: 11.30.24
